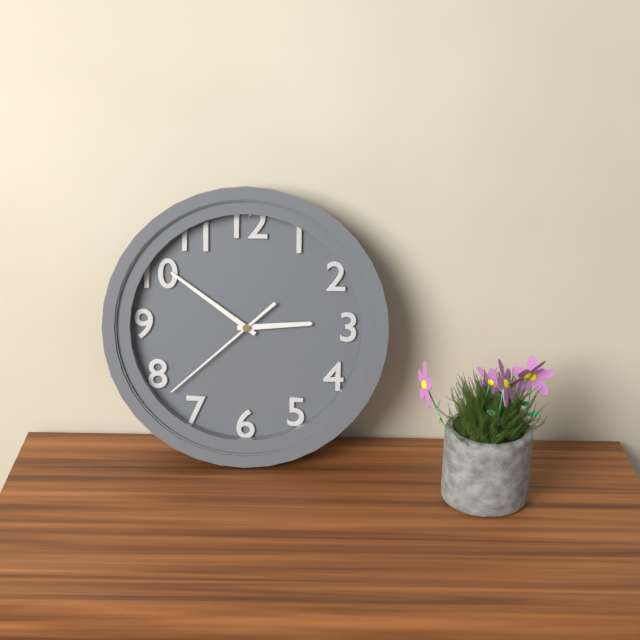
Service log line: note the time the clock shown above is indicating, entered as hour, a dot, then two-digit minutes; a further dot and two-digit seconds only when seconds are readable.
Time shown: 2.51.38
